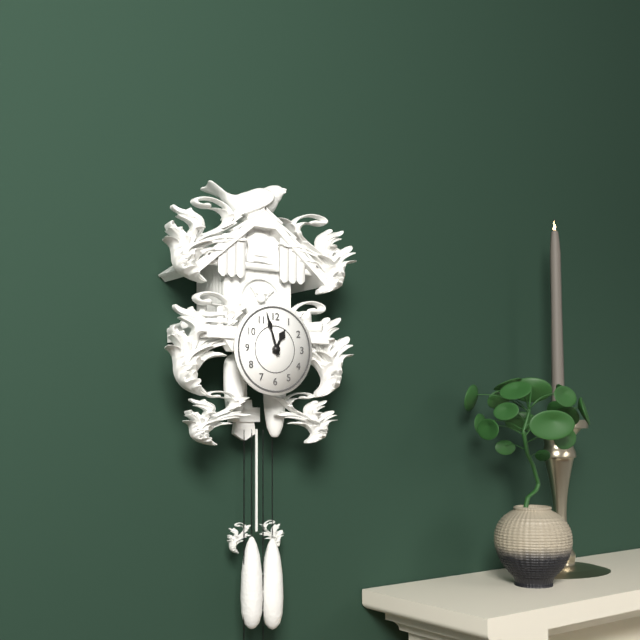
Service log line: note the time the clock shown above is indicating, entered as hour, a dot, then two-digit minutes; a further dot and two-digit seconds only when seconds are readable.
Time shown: 12.57
